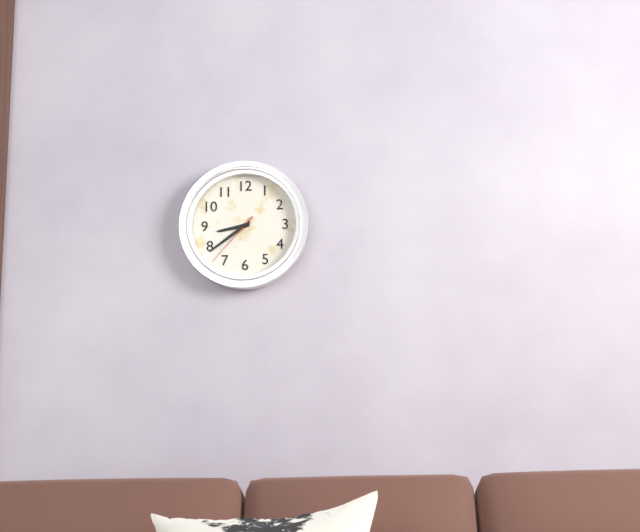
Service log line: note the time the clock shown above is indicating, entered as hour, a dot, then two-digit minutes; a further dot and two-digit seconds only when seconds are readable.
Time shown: 8.39.37
